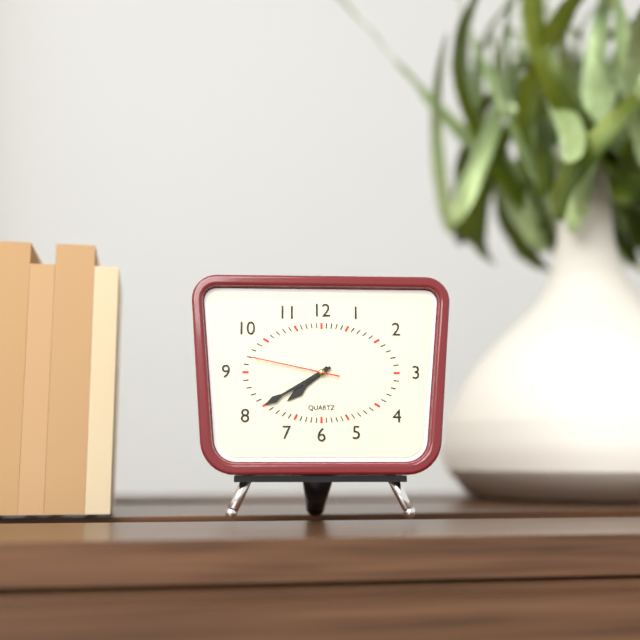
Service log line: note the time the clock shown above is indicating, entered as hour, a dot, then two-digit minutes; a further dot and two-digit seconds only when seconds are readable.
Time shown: 7.40.47
